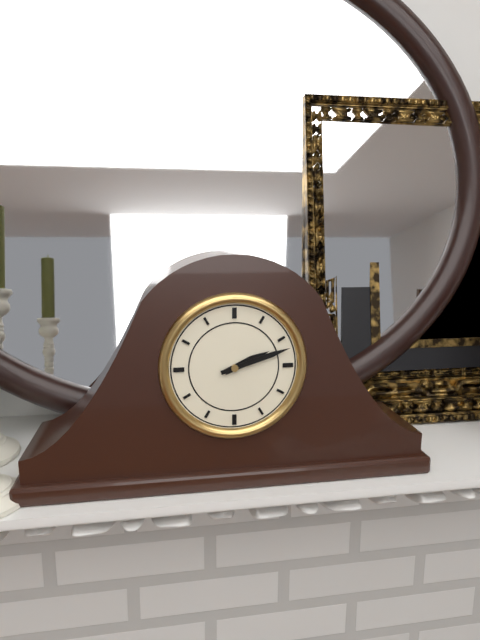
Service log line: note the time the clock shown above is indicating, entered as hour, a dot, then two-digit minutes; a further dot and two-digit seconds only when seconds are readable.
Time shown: 2.12
